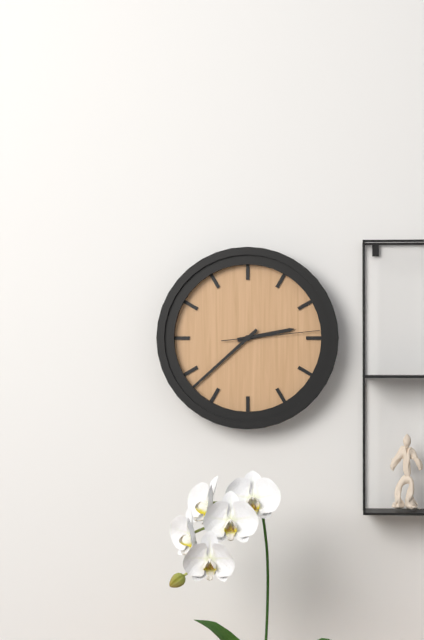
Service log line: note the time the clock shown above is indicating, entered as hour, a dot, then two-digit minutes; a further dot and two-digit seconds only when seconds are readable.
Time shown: 2.38.14
